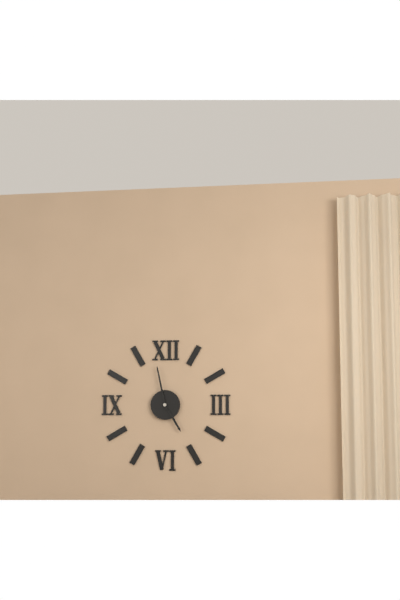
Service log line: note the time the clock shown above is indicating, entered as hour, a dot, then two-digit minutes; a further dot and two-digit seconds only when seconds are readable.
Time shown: 4.58
